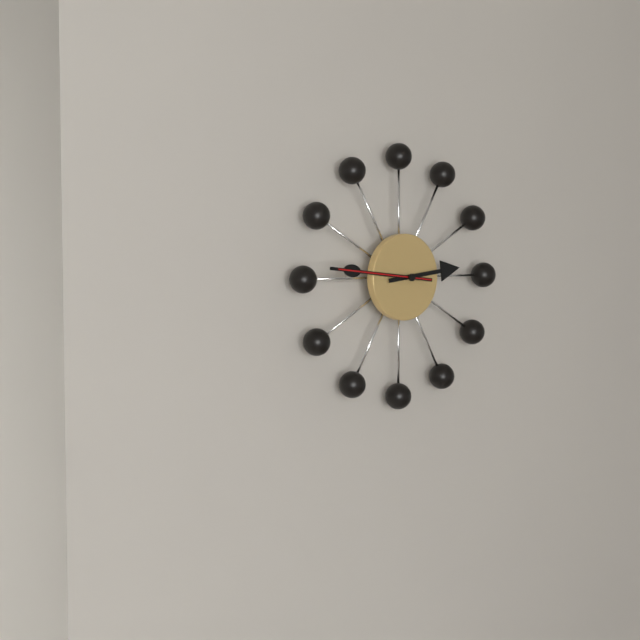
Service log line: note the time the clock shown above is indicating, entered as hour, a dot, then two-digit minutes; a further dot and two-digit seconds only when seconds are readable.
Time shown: 2.46.46
